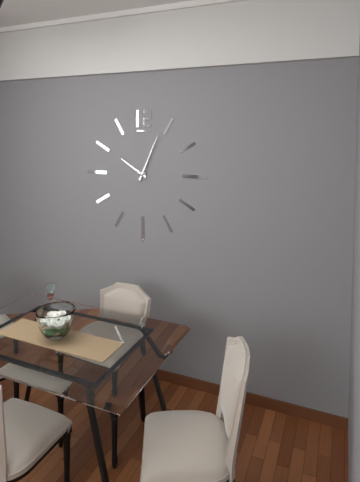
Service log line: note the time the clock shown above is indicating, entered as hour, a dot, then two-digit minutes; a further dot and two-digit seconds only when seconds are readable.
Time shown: 10.04
